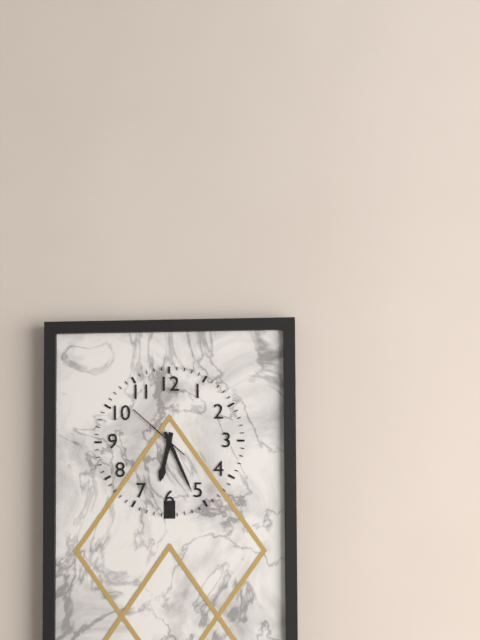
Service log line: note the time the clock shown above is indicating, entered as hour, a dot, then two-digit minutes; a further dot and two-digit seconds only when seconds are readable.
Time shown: 6.26.52
